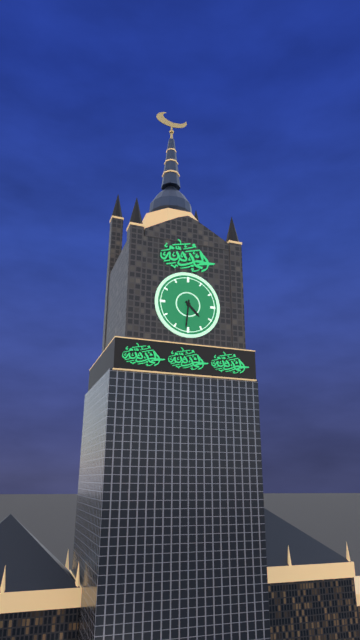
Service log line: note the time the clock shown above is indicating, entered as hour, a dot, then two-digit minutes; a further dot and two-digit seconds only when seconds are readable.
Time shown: 4.31
